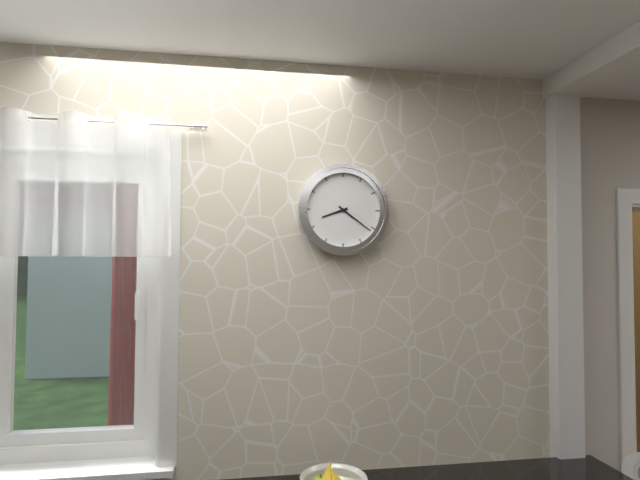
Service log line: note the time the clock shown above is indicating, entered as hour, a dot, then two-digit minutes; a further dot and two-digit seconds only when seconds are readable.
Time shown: 8.21
